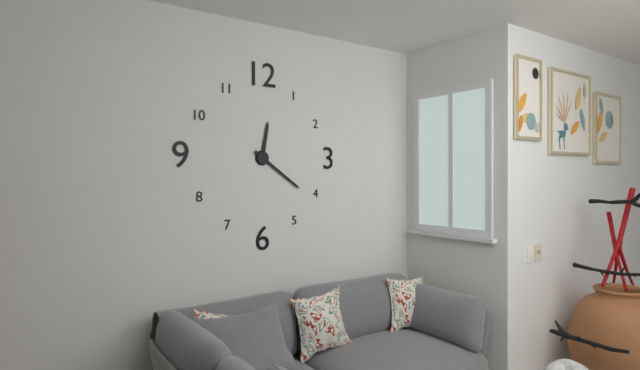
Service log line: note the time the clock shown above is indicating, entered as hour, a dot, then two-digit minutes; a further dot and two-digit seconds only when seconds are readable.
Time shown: 12.21
